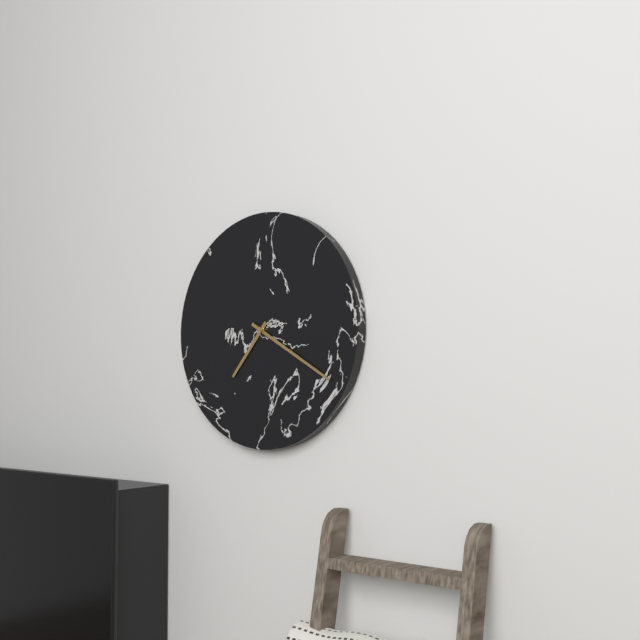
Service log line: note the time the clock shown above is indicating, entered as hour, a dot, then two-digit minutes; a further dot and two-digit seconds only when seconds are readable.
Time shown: 7.20
